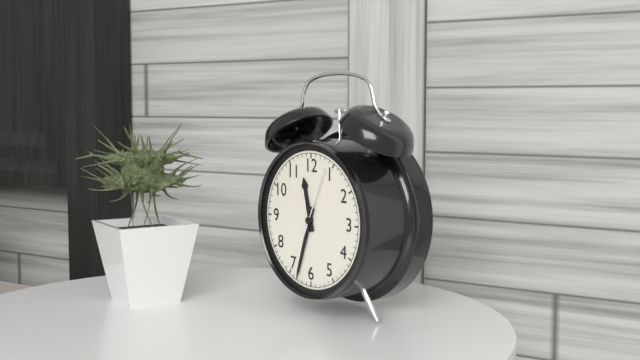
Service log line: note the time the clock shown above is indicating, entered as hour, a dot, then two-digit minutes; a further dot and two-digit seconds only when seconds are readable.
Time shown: 11.33.04
